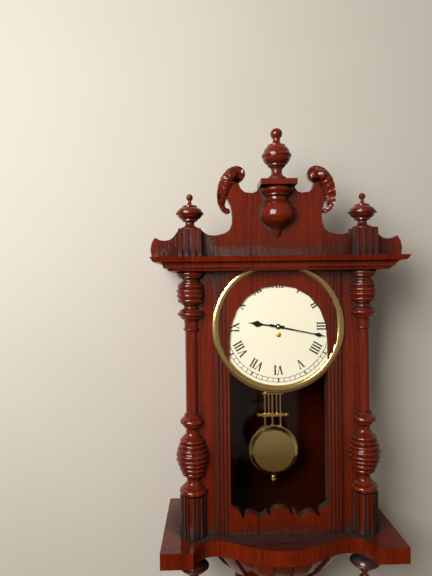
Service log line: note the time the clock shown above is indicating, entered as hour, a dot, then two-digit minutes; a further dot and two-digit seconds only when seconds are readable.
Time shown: 9.17
